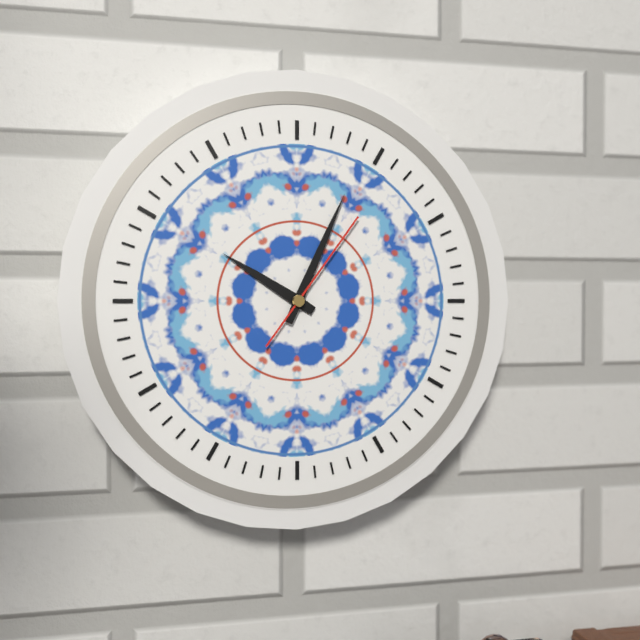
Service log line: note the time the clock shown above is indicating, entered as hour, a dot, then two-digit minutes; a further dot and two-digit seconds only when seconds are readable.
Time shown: 10.04.06
